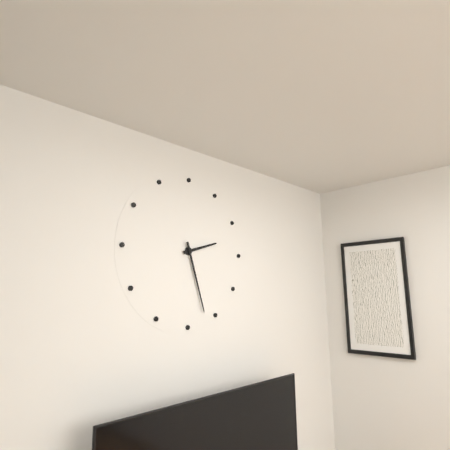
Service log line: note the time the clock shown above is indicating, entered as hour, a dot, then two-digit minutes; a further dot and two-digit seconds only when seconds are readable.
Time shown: 2.27
